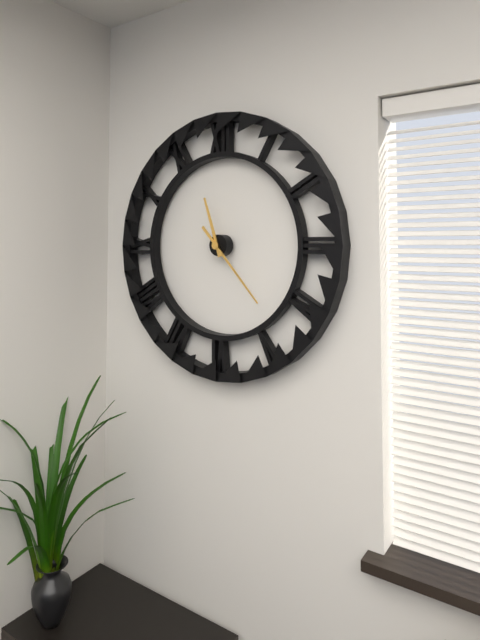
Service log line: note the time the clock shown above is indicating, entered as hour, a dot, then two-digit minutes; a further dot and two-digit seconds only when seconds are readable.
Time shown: 11.23
